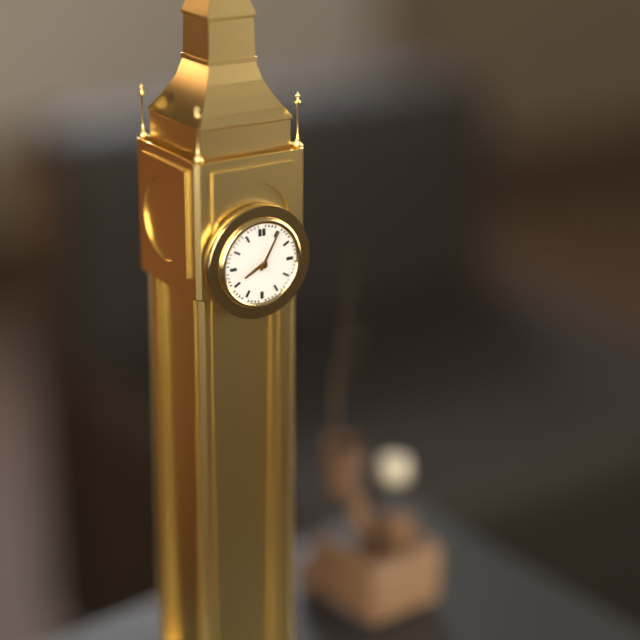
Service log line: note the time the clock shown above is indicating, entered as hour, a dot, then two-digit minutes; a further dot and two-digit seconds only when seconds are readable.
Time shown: 8.05
